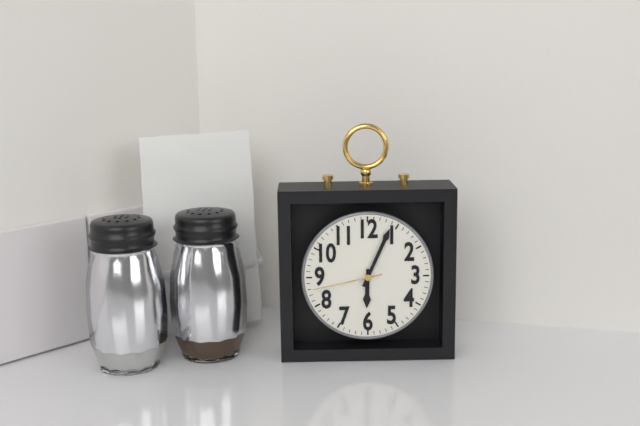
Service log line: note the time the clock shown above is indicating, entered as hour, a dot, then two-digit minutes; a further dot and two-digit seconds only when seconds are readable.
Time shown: 6.04.43
